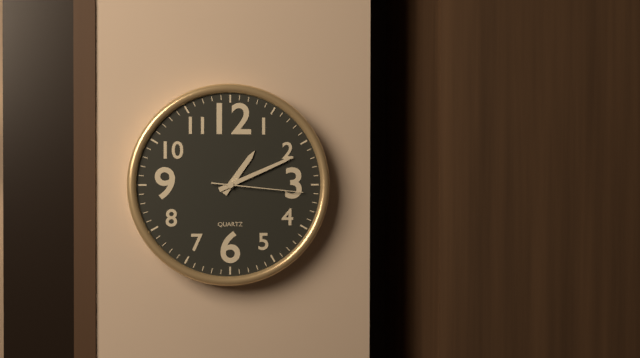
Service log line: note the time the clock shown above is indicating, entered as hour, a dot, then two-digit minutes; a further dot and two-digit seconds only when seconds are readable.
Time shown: 1.11.16
